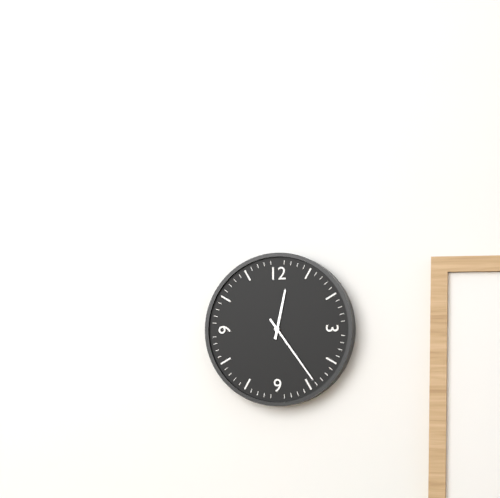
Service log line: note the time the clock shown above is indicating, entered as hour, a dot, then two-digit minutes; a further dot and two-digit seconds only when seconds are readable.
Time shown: 12.24
